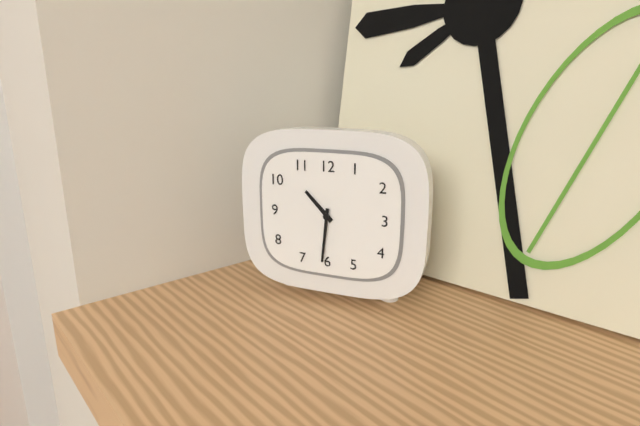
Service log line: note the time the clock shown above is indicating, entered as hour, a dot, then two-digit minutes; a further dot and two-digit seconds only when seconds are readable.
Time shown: 10.31
